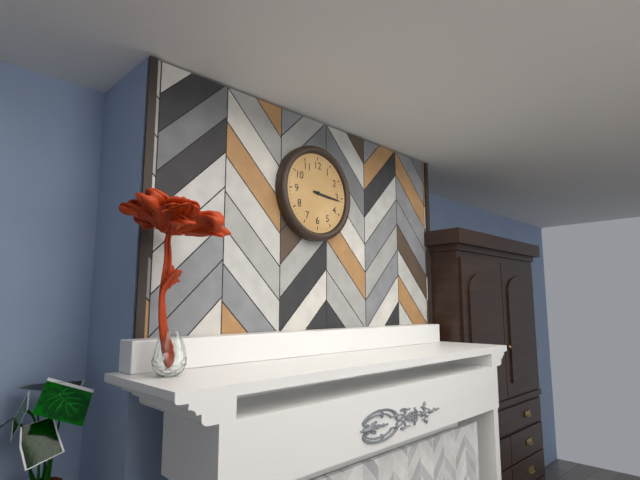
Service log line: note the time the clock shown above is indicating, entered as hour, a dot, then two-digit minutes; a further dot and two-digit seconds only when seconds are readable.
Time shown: 3.16
